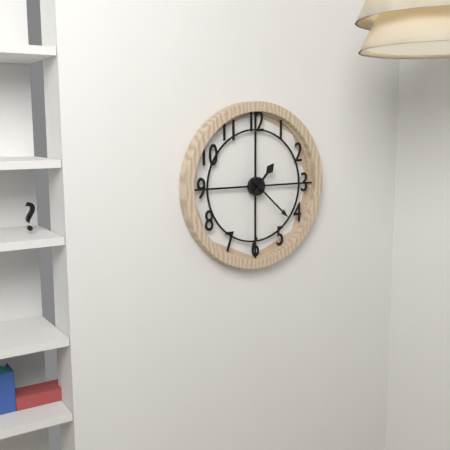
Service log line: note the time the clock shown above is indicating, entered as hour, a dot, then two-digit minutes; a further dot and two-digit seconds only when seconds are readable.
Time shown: 1.22
